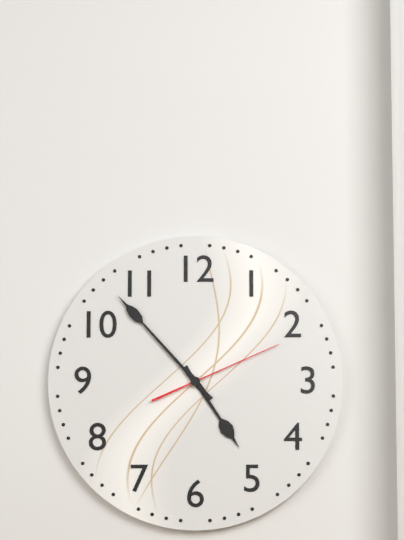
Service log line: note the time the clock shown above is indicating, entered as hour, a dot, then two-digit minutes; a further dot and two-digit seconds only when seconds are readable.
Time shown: 4.53.11
